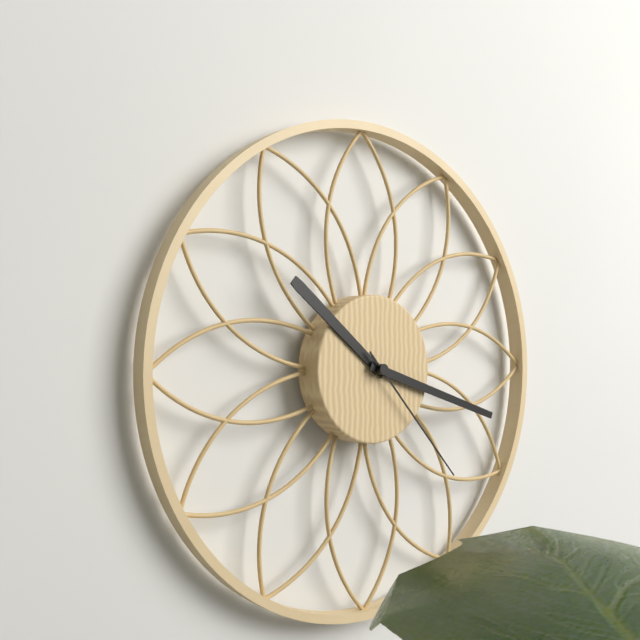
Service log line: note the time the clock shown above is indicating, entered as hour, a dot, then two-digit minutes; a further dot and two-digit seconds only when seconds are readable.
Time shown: 10.18.23
